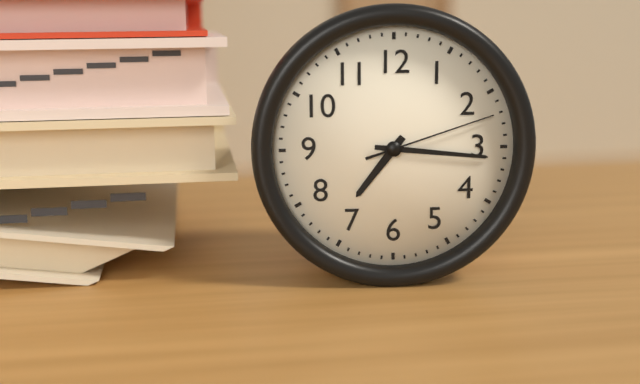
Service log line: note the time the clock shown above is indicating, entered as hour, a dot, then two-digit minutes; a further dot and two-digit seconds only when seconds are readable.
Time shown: 7.16.12
